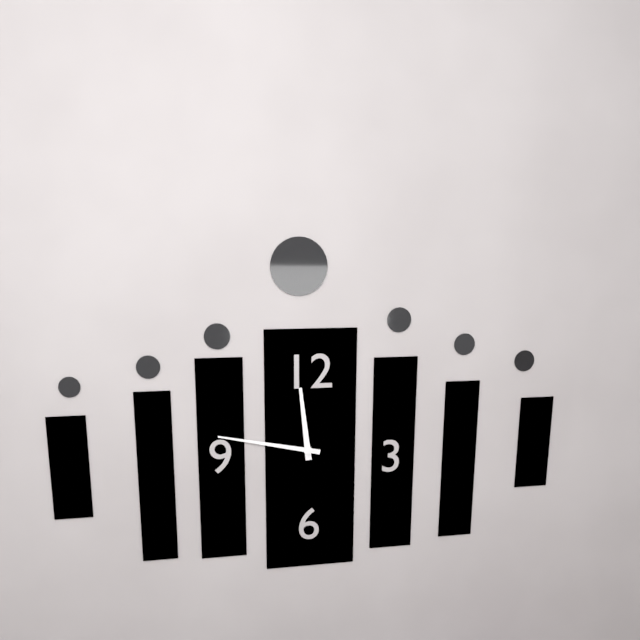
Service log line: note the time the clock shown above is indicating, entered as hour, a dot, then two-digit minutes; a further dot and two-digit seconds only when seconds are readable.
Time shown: 11.47
